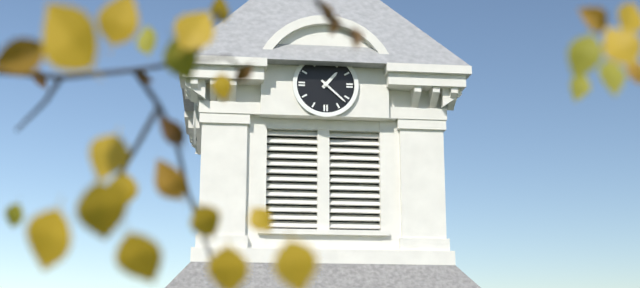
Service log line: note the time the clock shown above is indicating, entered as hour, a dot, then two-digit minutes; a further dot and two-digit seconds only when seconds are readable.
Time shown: 1.22
